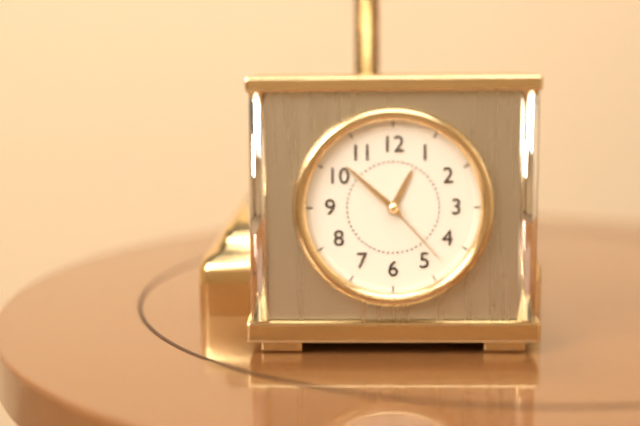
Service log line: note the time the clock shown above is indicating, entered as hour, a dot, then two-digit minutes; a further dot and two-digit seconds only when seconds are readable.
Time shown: 12.52.23
